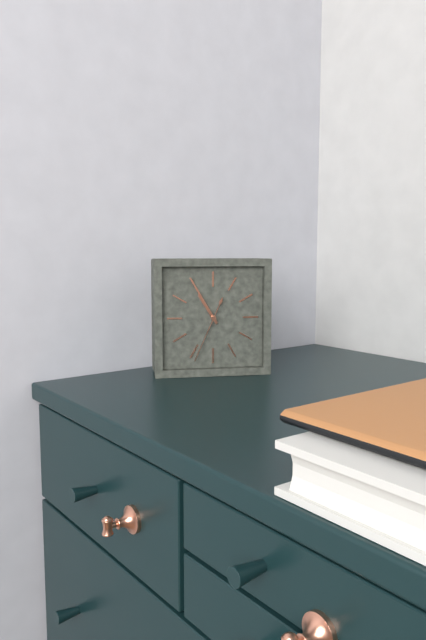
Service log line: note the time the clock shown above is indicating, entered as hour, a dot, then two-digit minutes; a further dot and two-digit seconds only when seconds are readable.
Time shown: 10.55.34
